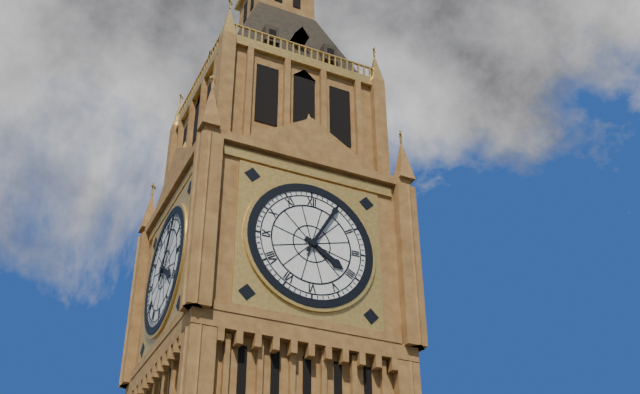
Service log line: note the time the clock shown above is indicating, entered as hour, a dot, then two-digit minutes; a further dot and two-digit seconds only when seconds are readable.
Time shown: 4.05
